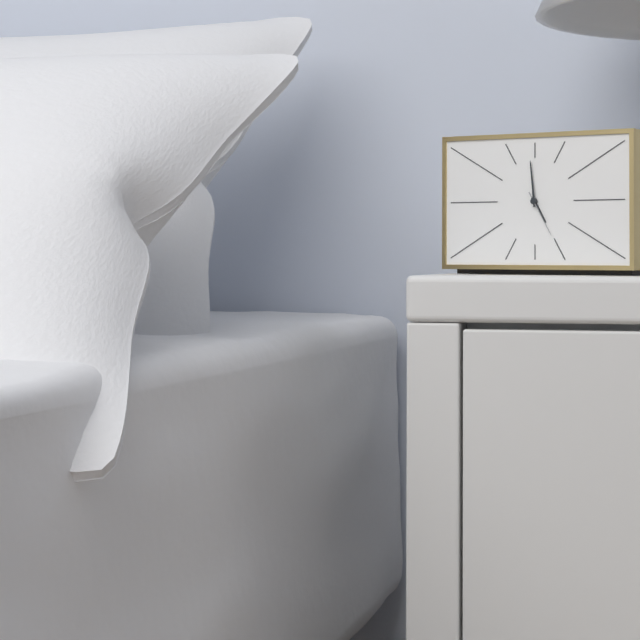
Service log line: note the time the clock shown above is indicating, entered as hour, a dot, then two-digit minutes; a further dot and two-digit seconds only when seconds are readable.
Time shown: 4.59
